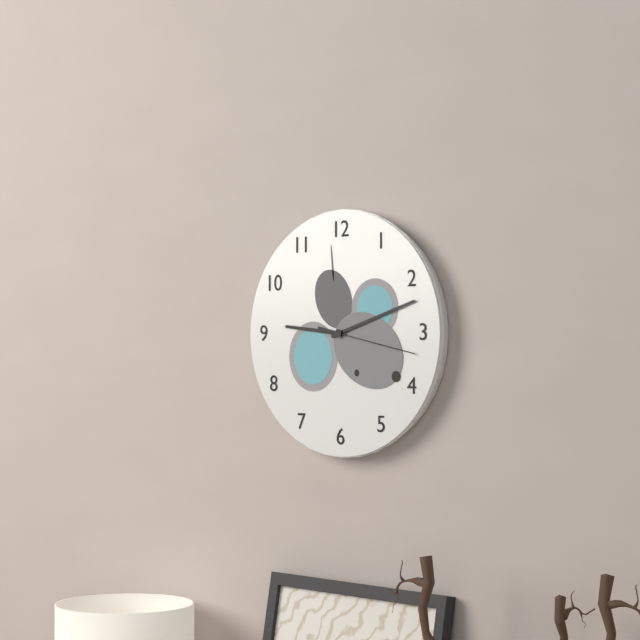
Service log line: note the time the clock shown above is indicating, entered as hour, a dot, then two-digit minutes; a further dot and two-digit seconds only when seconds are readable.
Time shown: 9.12.17
